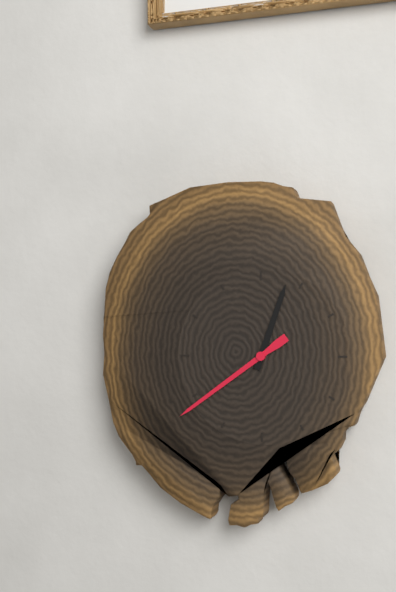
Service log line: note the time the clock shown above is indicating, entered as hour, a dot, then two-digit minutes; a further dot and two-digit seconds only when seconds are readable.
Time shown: 12.39
